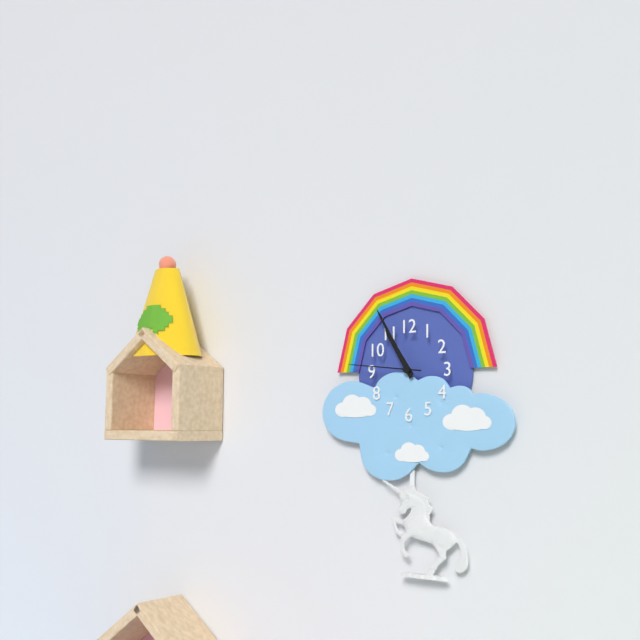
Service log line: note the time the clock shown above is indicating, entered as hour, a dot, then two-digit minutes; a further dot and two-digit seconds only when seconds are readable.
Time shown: 10.55.46
